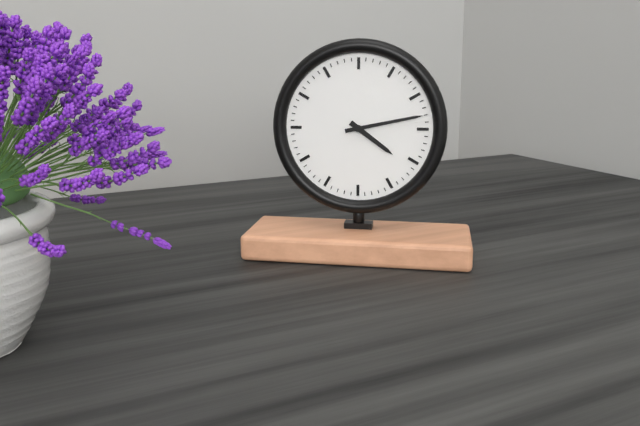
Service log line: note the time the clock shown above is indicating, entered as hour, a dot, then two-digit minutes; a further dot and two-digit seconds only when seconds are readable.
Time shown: 4.13
